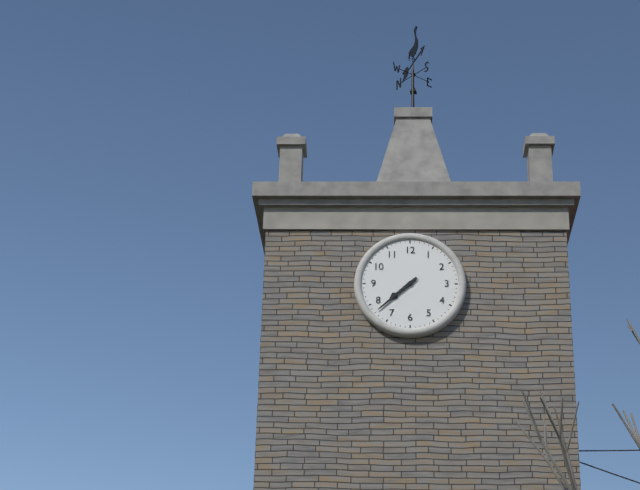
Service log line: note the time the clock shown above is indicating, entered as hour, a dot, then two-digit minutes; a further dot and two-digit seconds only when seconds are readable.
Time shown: 7.38
